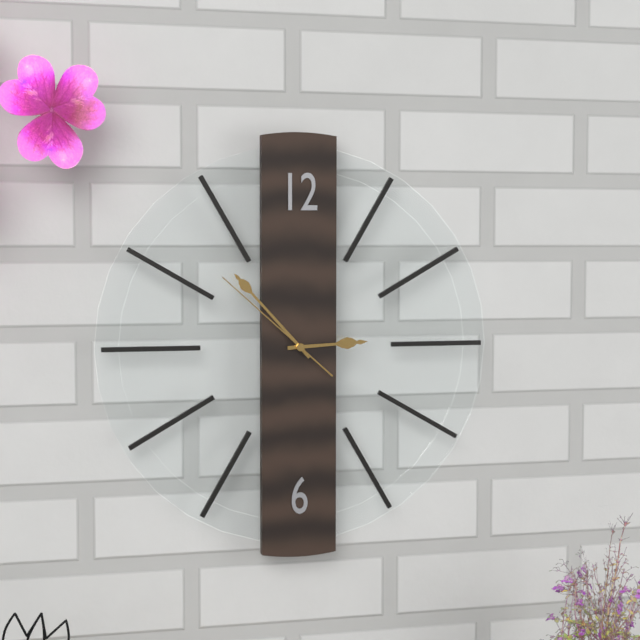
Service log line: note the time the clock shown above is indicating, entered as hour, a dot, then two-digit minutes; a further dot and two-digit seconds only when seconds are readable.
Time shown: 2.53.52
